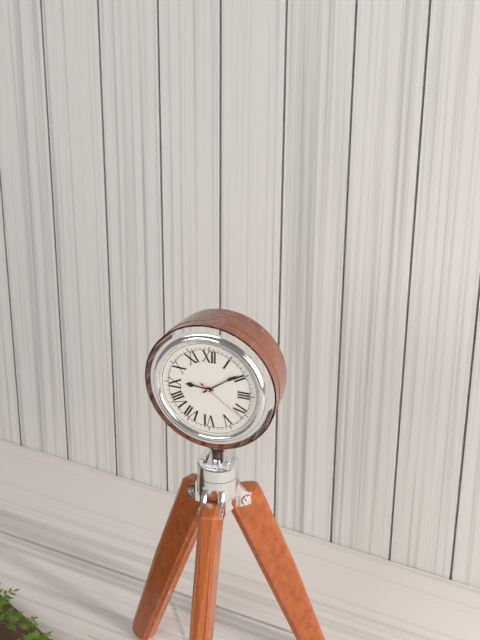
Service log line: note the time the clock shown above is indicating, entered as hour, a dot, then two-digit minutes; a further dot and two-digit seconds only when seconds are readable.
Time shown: 9.09.21
